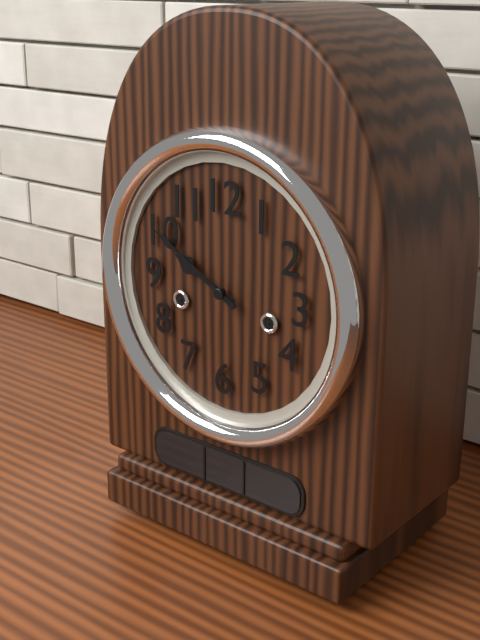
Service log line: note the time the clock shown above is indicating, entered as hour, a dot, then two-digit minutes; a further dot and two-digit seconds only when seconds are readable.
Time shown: 9.50
